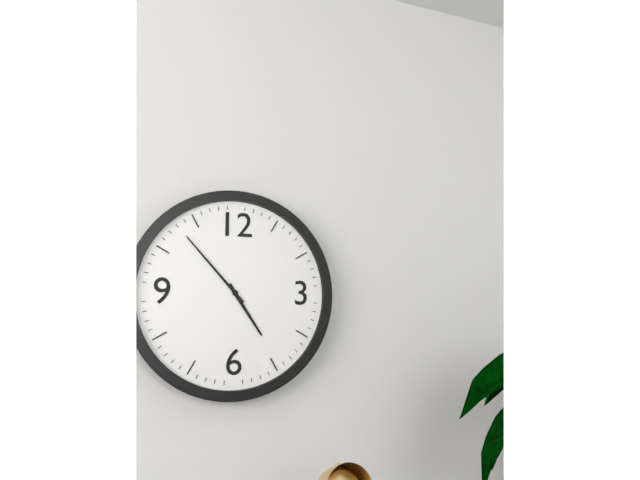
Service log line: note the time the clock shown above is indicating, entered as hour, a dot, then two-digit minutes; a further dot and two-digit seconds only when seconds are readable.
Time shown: 4.53
